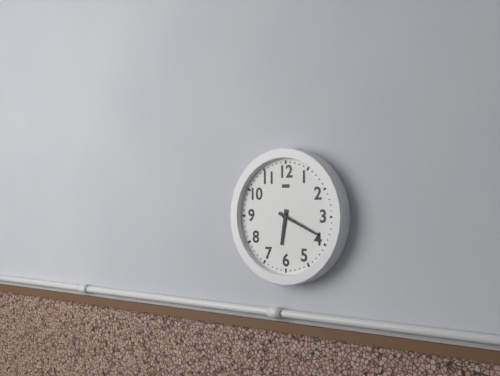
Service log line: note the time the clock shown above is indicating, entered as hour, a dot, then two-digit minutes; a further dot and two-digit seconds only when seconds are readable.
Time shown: 6.19
